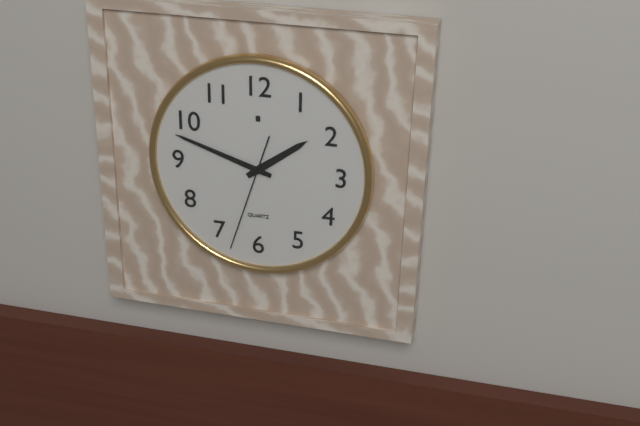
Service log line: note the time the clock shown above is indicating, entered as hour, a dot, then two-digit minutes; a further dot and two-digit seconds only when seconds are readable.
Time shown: 1.48.33
